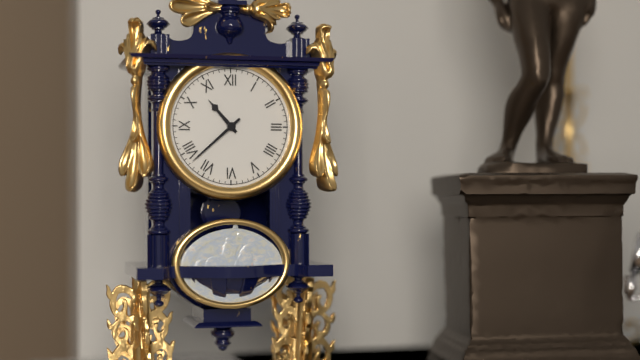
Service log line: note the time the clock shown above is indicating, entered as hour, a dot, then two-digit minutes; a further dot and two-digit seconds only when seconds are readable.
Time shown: 10.38
